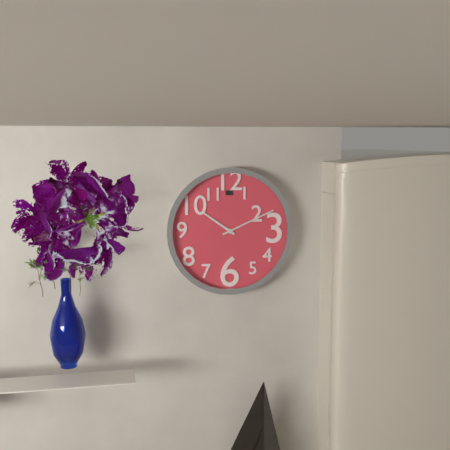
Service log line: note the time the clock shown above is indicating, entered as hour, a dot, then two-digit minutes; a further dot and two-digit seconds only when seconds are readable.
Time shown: 10.11
